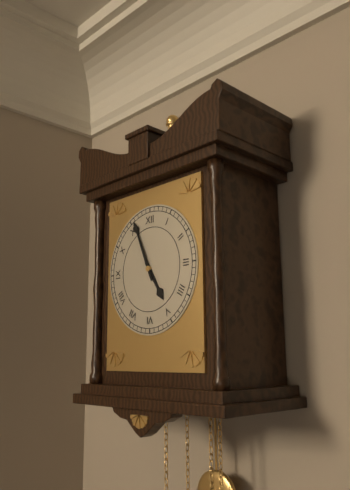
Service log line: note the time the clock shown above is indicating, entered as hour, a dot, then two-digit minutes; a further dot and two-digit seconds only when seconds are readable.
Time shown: 4.56
